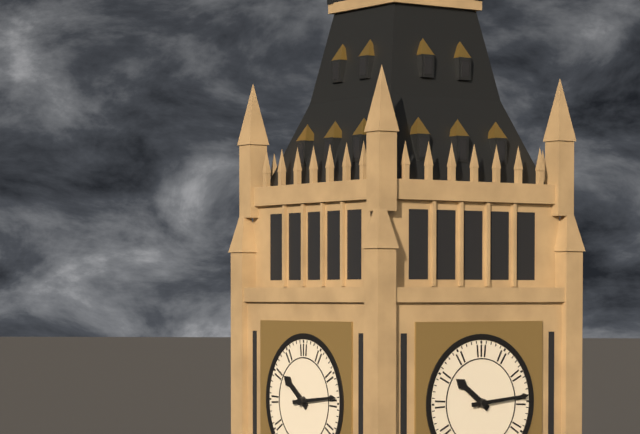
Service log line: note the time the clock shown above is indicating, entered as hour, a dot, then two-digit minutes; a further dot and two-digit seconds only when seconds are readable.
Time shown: 10.14
